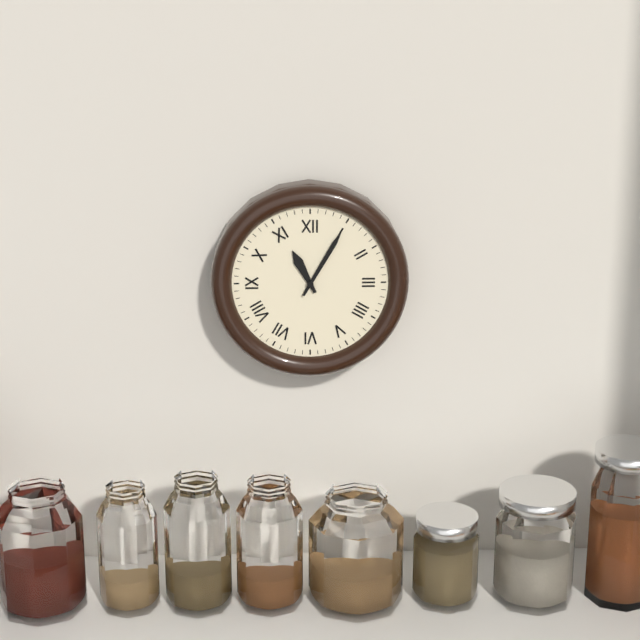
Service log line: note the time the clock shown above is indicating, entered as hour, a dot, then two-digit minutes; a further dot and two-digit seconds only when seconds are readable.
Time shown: 11.05
